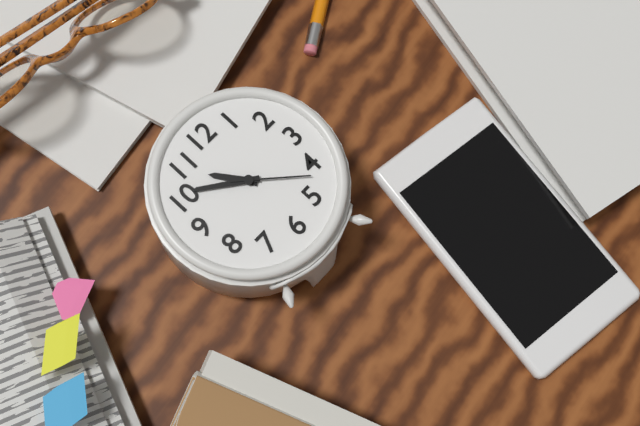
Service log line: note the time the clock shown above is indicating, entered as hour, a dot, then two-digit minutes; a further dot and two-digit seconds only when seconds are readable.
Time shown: 10.51.22
